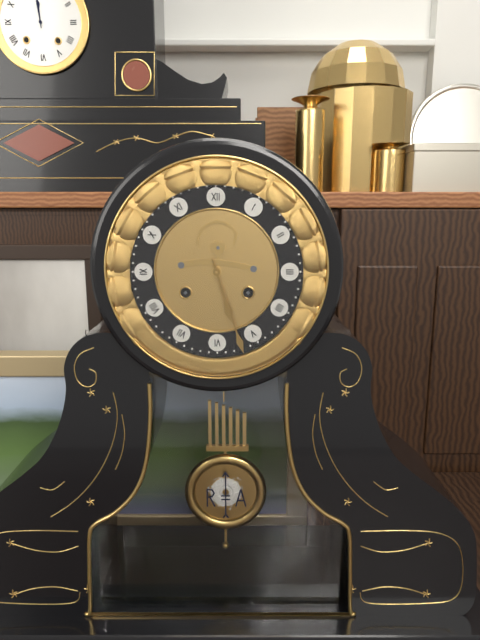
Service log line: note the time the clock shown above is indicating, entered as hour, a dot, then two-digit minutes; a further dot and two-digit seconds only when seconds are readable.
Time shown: 5.27
